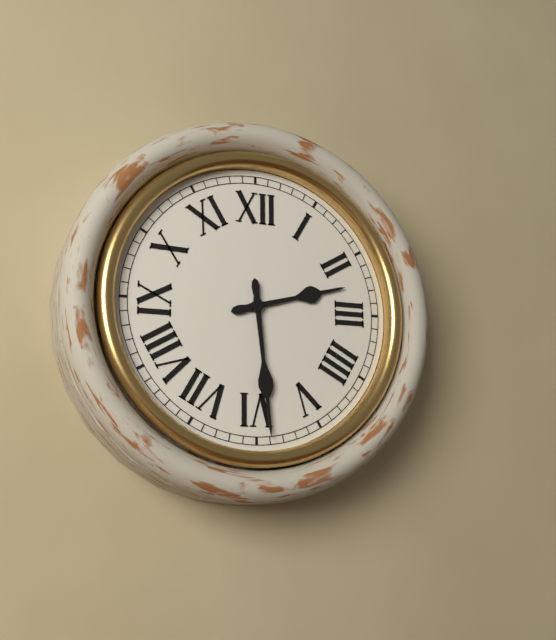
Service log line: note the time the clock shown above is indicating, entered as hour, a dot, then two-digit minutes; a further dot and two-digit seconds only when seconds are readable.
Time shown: 2.29
